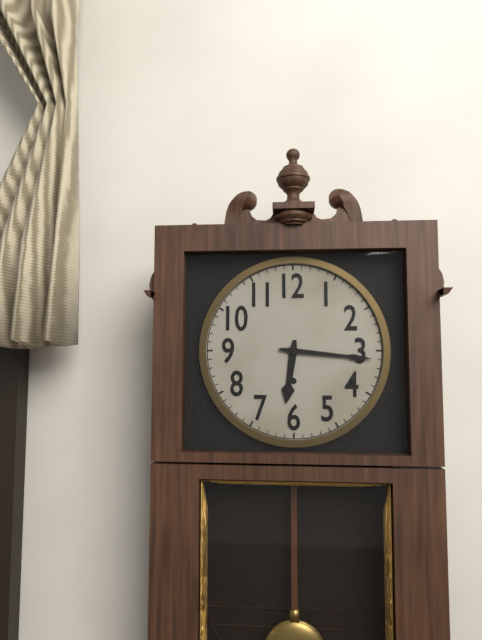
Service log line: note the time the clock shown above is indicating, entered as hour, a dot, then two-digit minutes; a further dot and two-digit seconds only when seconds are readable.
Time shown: 6.16
